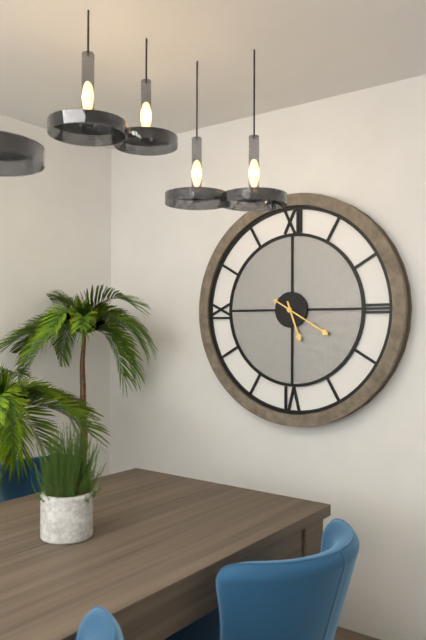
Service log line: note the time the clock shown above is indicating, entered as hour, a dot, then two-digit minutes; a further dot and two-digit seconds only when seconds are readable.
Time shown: 5.20
